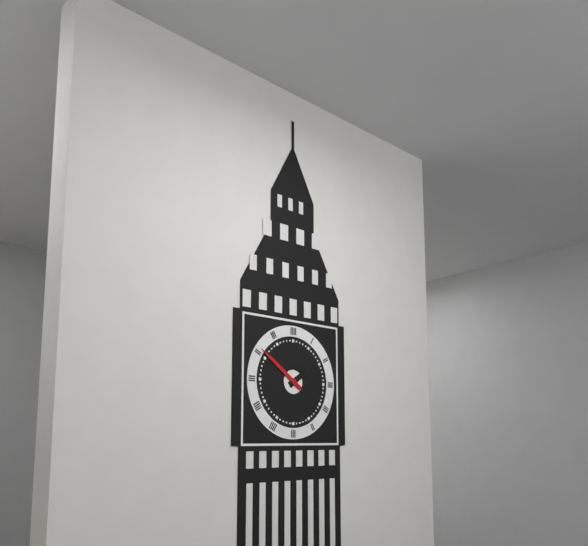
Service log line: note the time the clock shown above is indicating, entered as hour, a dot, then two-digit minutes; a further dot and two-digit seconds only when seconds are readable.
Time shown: 1.51
